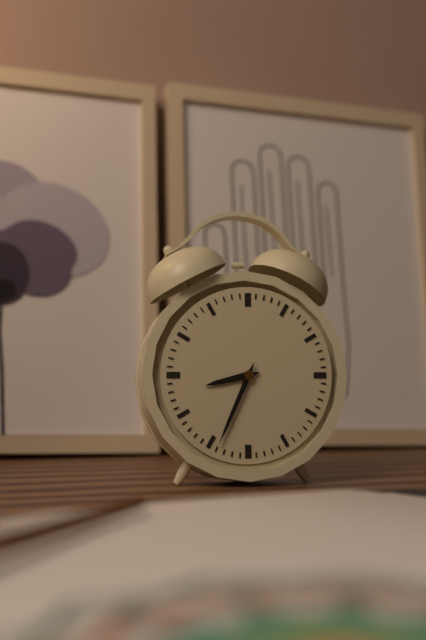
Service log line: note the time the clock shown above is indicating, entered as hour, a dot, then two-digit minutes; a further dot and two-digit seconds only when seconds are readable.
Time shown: 8.34
